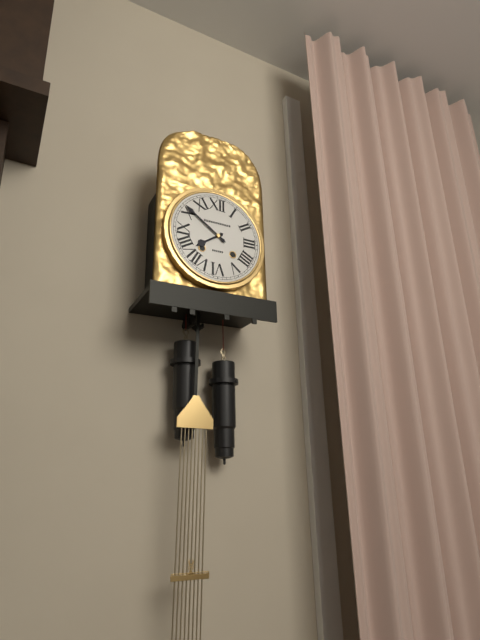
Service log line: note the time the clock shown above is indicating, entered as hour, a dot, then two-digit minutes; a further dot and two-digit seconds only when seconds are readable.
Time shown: 7.51
